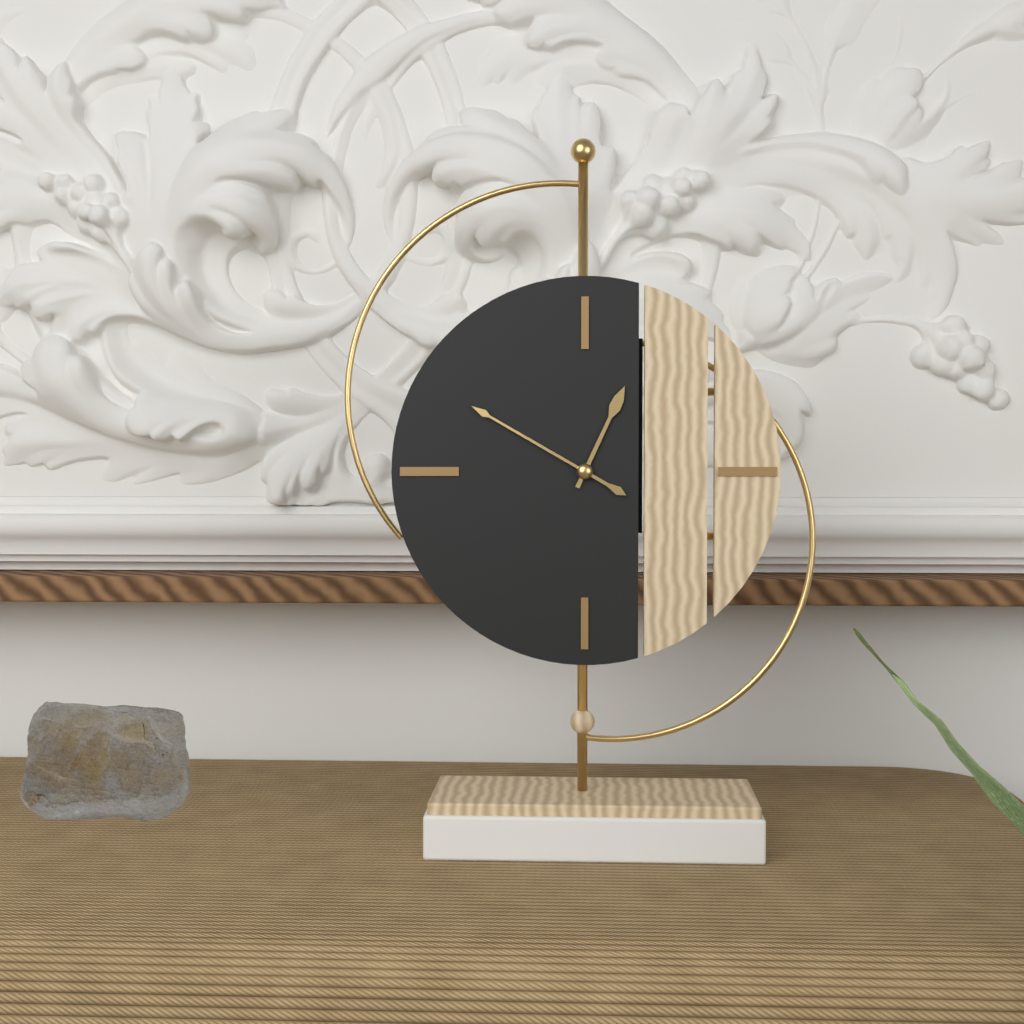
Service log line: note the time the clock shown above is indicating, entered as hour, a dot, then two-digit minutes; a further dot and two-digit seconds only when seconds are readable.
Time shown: 12.50
